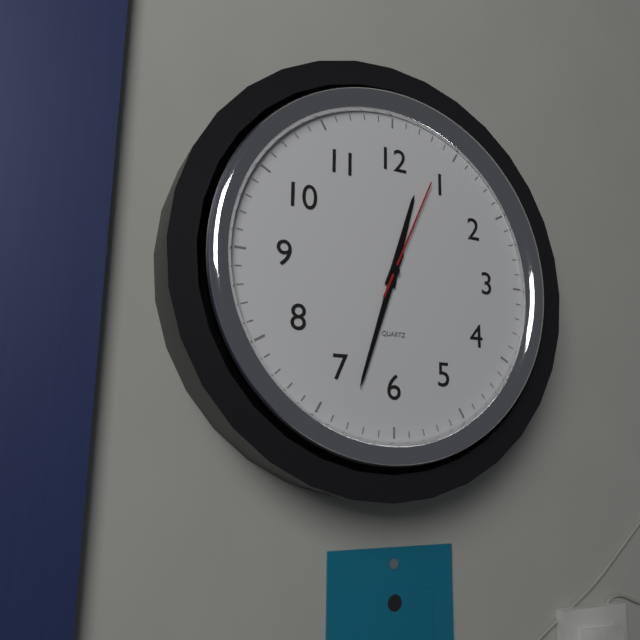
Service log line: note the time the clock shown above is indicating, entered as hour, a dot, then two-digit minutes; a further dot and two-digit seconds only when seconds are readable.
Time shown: 12.33.04
